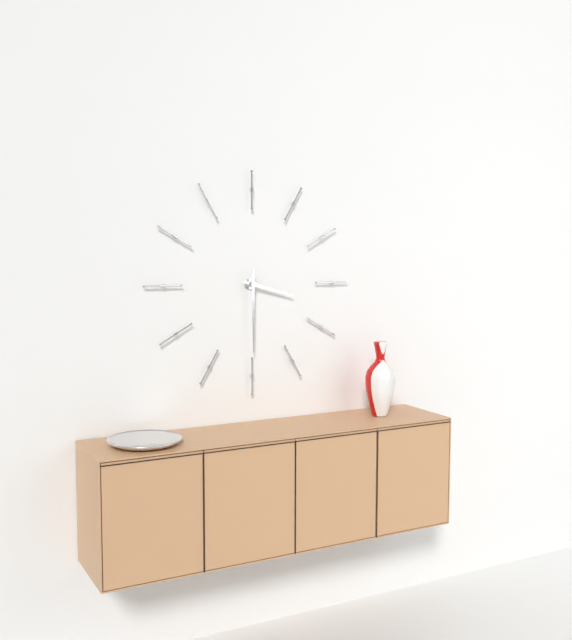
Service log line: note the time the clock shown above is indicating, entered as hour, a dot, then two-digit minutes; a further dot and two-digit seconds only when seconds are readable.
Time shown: 3.30
